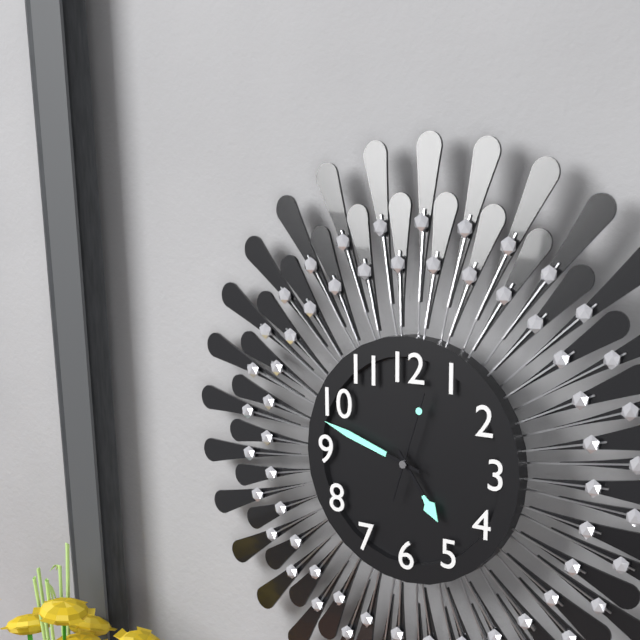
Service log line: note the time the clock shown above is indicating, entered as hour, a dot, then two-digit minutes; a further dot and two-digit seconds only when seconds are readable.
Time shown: 4.48.03
